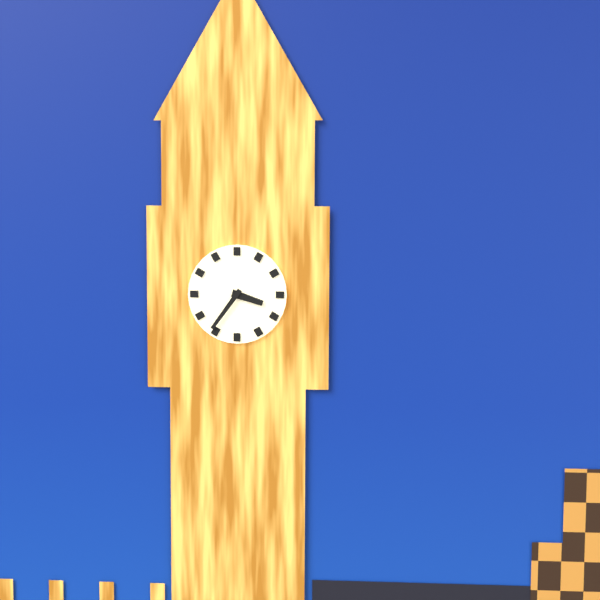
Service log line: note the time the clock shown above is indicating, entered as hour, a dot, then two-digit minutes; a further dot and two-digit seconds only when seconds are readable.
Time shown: 3.36
